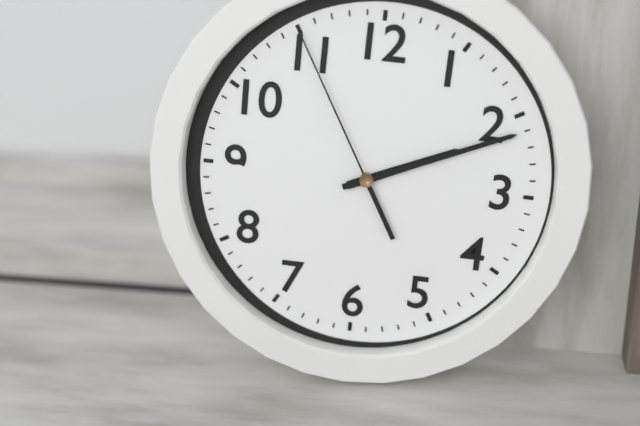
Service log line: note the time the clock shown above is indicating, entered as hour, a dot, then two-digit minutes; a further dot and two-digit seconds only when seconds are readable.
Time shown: 2.11.55
